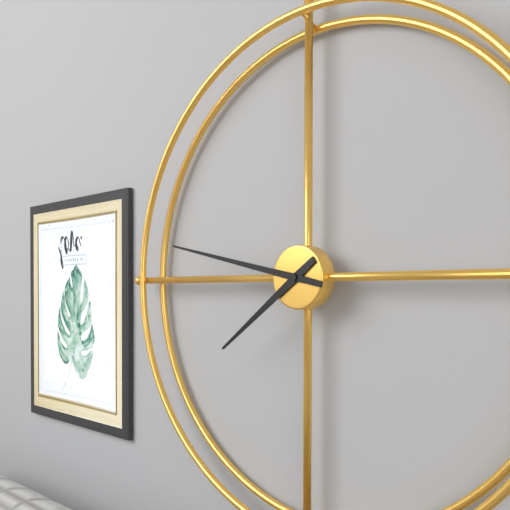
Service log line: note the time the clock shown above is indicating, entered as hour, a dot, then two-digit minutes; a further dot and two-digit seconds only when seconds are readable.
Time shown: 7.47
